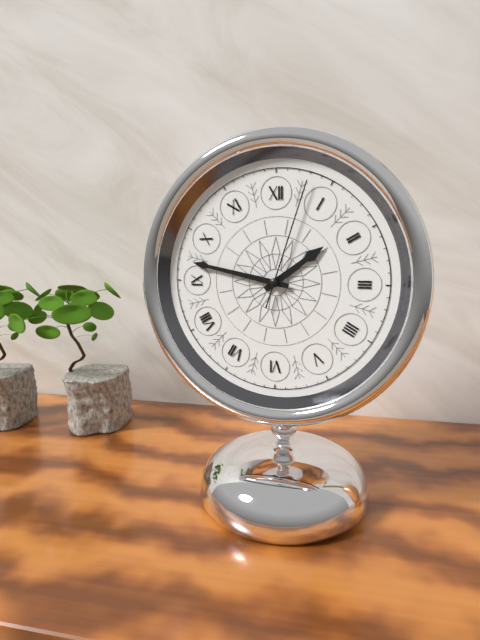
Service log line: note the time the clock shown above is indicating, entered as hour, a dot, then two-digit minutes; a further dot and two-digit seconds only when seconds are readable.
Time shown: 1.47.03
